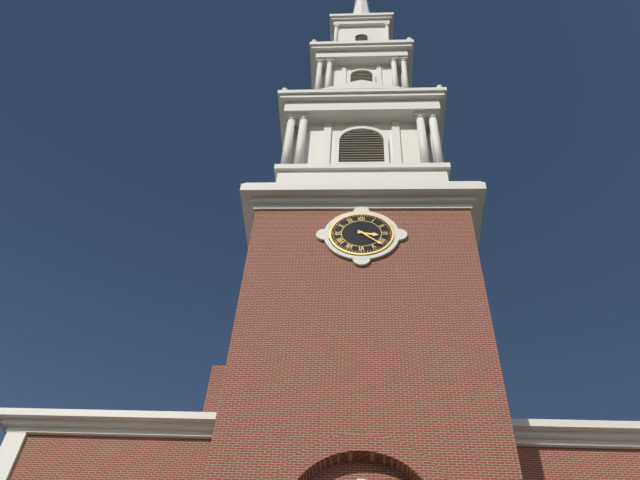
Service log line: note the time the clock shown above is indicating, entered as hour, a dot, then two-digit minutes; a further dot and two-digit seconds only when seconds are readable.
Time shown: 3.22
